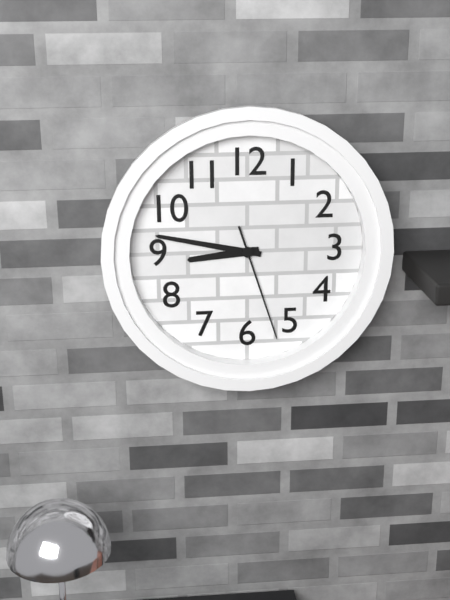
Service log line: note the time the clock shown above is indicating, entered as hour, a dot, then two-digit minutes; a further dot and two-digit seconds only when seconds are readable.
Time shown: 8.47.27
